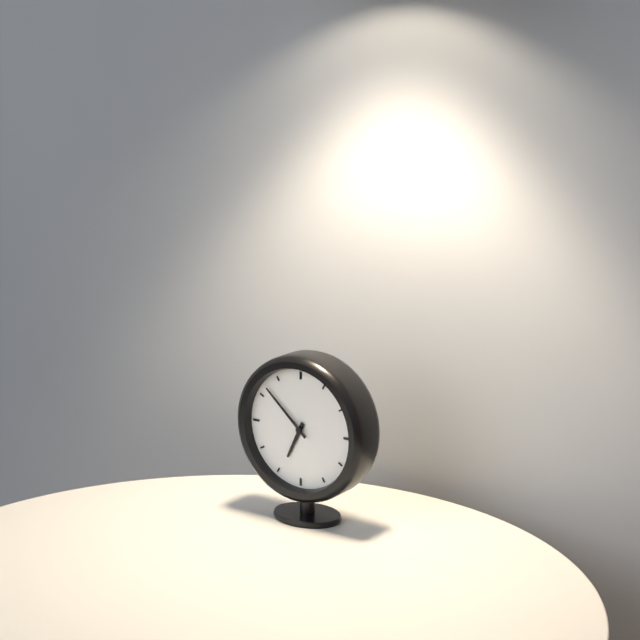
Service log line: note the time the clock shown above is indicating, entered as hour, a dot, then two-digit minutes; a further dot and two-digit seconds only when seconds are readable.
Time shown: 6.52
